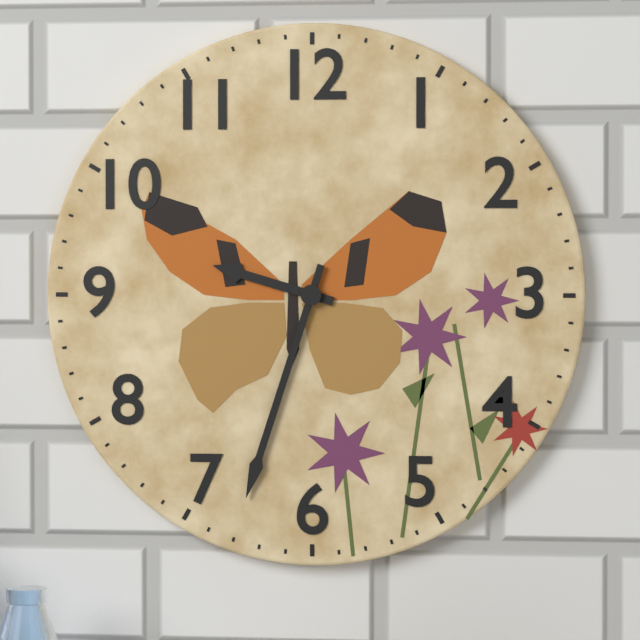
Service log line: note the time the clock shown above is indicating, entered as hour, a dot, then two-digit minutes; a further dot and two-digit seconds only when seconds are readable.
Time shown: 9.33
